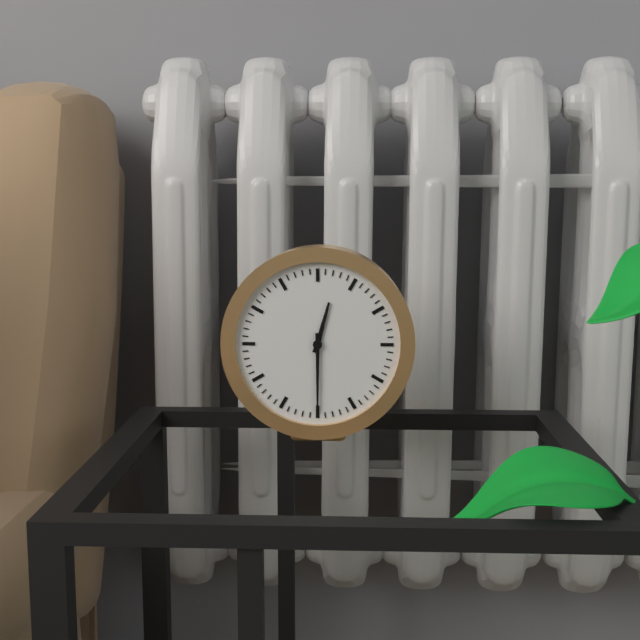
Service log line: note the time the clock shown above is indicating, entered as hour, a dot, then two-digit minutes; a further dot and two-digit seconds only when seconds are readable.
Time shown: 12.30
